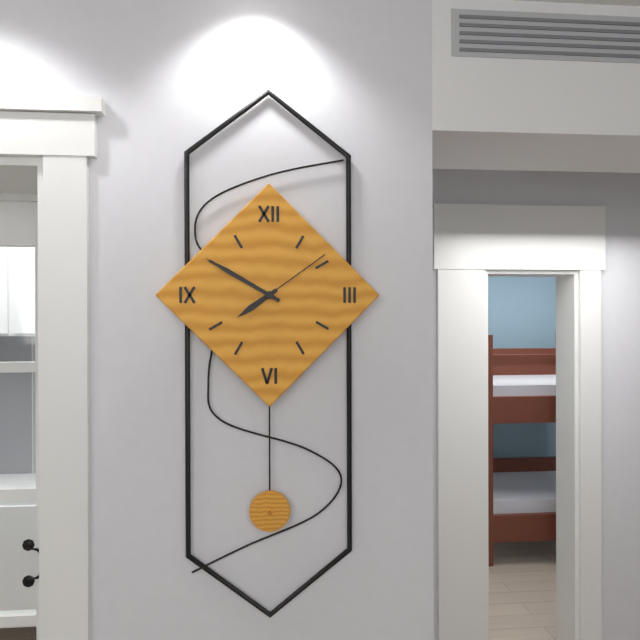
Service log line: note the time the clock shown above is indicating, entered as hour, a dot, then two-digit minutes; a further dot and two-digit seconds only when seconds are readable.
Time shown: 7.50.09
